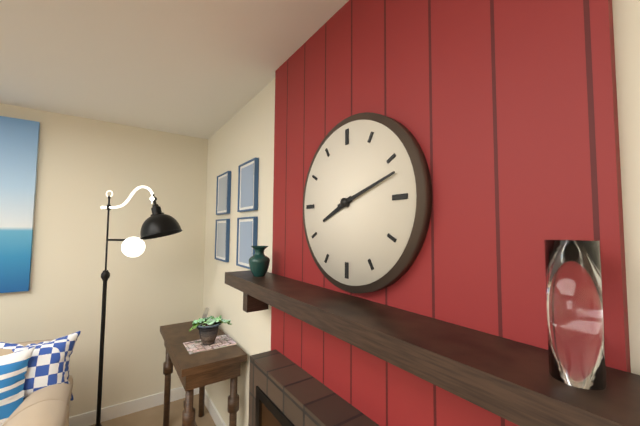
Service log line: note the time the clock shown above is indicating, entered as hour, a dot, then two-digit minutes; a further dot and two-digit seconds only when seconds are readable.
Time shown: 8.12
